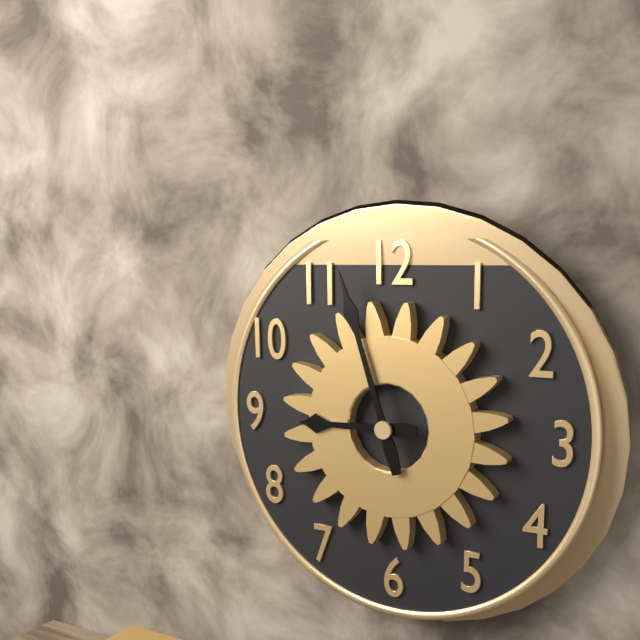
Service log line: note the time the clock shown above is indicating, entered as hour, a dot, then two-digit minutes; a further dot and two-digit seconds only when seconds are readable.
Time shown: 8.57
